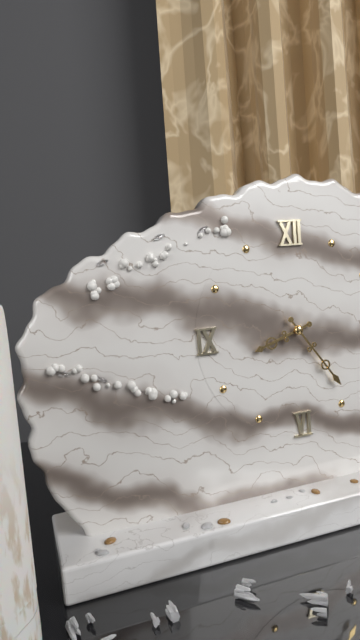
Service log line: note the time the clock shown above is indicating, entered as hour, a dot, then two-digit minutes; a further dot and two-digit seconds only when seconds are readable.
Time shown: 8.24
